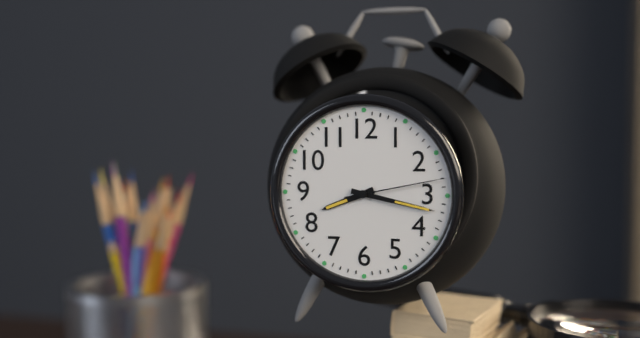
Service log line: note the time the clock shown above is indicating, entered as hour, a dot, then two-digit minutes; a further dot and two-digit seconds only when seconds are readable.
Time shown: 8.17.13
